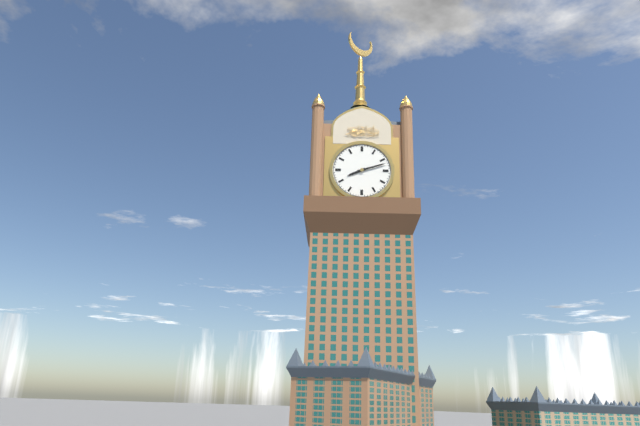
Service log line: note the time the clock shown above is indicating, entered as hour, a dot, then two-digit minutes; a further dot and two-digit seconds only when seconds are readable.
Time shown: 8.12
